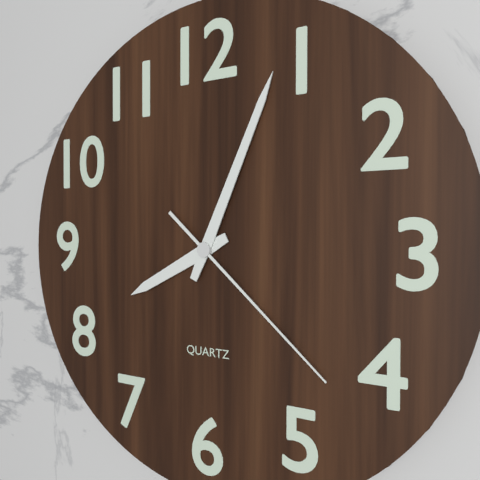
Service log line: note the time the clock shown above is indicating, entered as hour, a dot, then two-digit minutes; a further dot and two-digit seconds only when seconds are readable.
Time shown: 8.04.22
